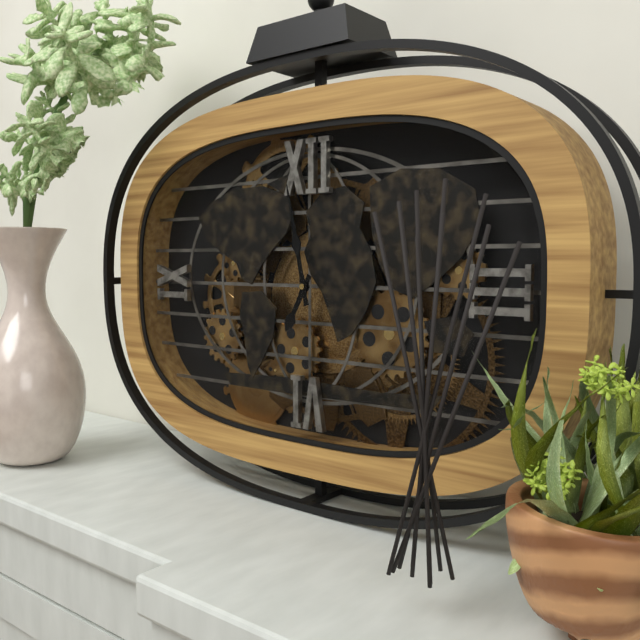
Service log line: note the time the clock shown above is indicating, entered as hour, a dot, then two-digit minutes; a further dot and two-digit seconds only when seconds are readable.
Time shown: 6.58
